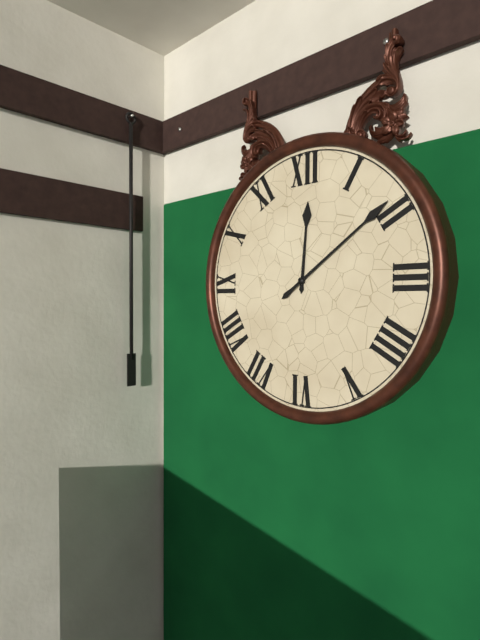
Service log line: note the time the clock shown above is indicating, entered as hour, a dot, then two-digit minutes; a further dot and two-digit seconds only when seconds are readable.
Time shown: 12.09
